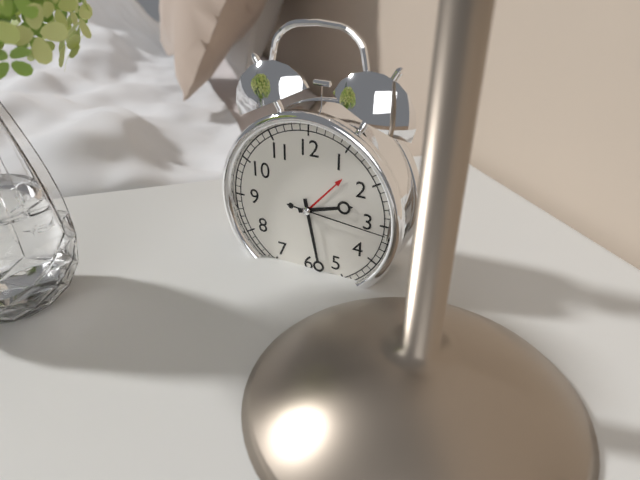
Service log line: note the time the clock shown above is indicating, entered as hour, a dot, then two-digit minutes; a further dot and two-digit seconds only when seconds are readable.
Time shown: 2.28.16
